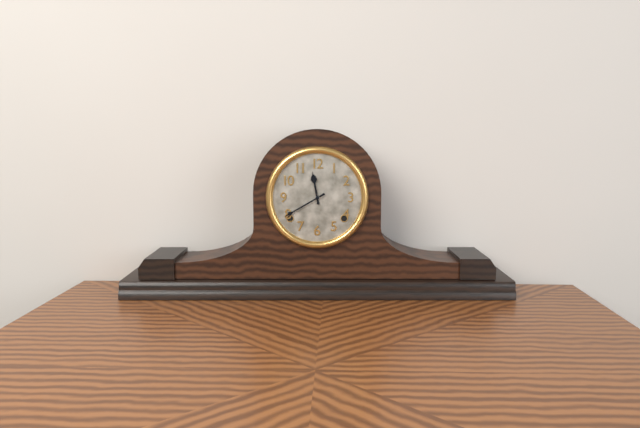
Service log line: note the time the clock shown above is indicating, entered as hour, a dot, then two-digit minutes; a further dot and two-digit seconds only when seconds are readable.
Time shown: 11.40
